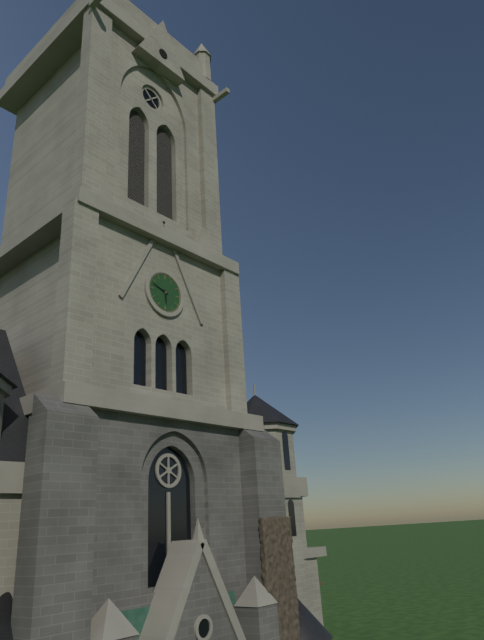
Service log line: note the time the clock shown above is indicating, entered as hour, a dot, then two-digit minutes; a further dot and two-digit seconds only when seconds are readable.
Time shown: 5.48
